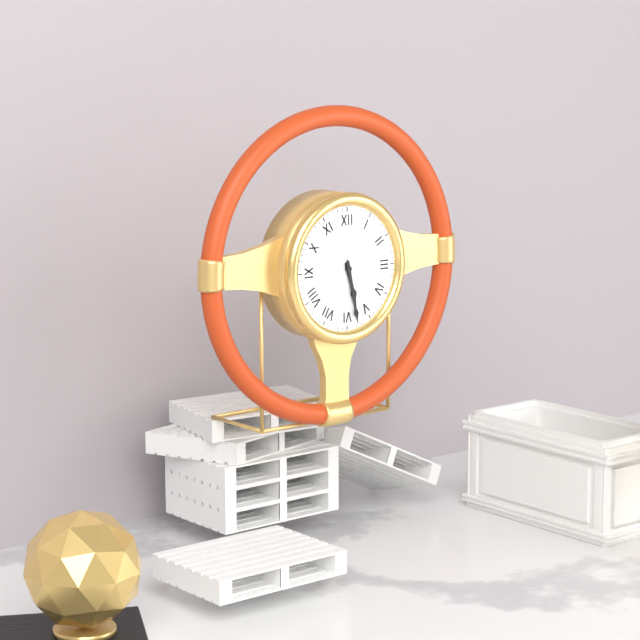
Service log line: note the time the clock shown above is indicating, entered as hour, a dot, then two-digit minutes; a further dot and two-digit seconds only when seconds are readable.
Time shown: 5.28
